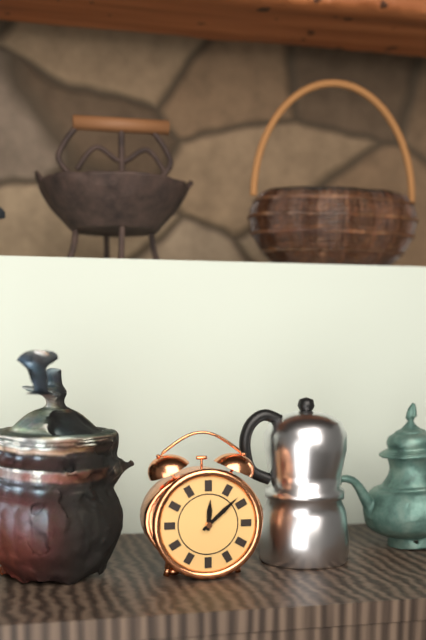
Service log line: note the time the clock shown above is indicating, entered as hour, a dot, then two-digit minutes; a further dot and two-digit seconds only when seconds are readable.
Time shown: 12.08
